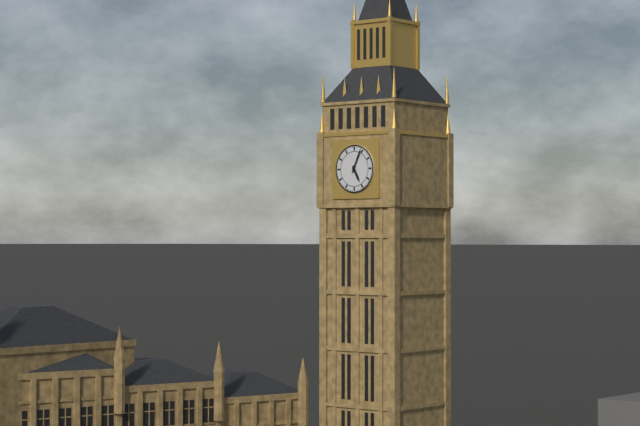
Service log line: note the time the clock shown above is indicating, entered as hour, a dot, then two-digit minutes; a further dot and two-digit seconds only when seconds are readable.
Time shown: 5.04
